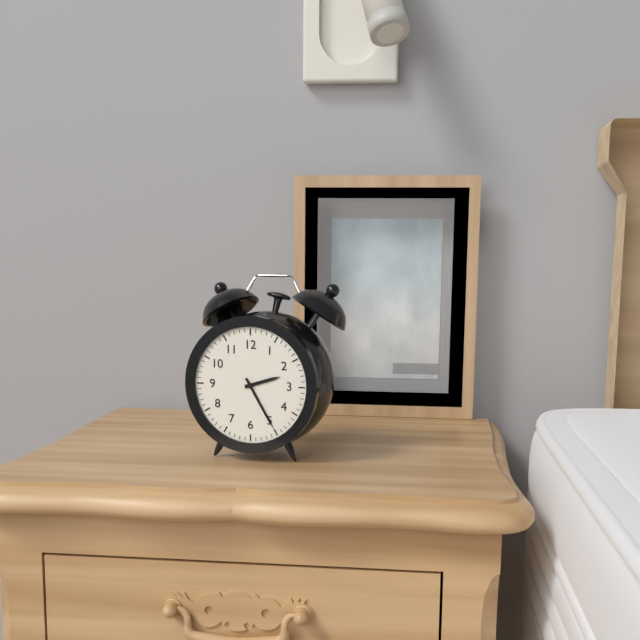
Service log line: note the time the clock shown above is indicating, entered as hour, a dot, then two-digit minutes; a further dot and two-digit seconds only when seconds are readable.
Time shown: 2.25
